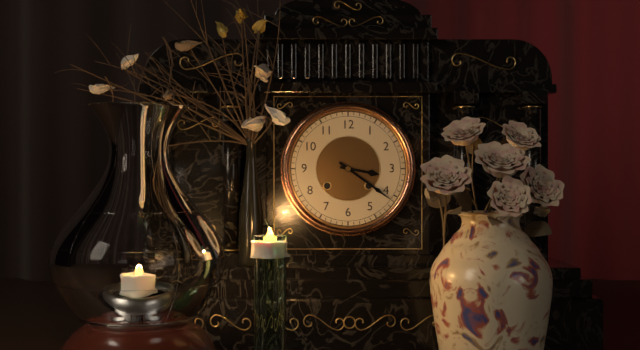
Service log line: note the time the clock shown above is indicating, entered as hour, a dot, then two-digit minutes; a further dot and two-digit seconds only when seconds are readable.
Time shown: 3.21
